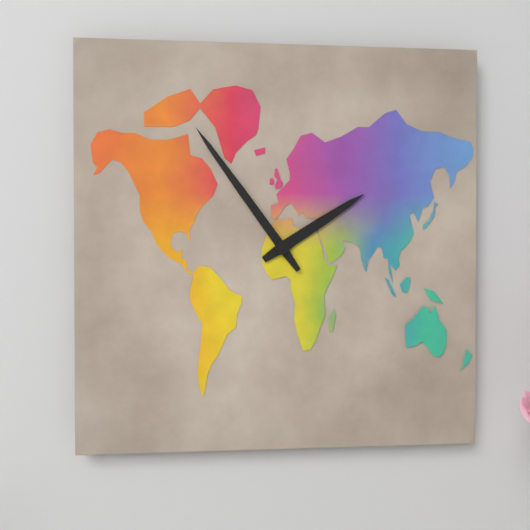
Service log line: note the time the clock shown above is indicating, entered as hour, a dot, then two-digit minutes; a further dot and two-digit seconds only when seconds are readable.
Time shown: 1.54
